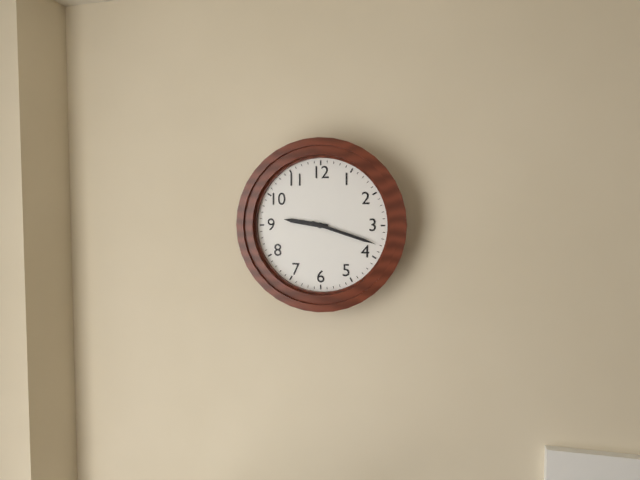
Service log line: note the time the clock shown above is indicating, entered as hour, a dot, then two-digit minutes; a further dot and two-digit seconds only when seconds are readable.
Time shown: 9.18
